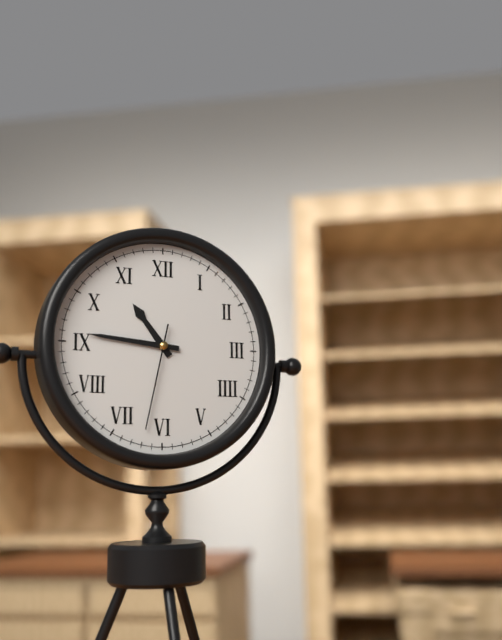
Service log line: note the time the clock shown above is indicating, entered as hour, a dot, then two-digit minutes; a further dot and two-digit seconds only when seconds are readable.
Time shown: 10.46.32
